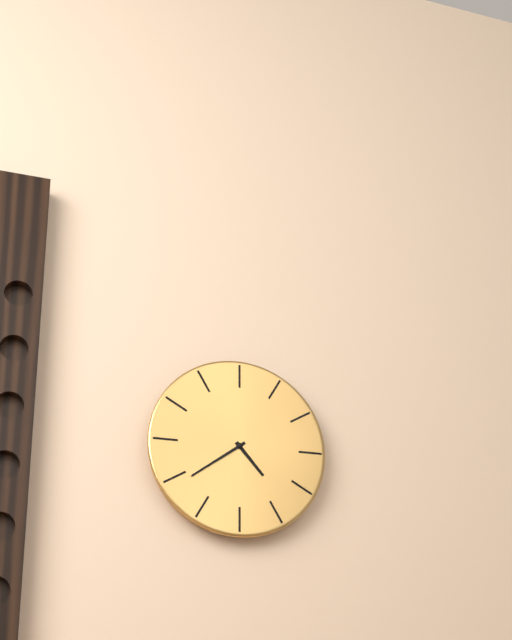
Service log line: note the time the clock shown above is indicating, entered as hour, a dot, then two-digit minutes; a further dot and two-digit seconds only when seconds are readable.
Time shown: 4.39
